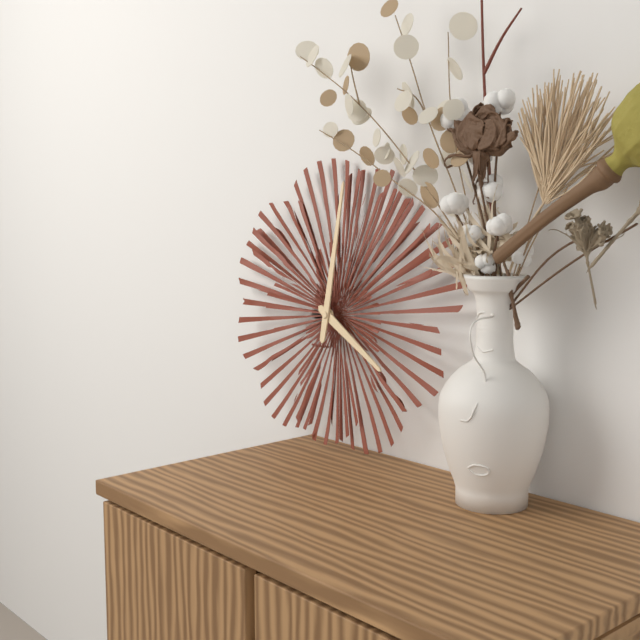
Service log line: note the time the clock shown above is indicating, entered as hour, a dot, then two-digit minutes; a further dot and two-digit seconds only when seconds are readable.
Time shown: 4.01
